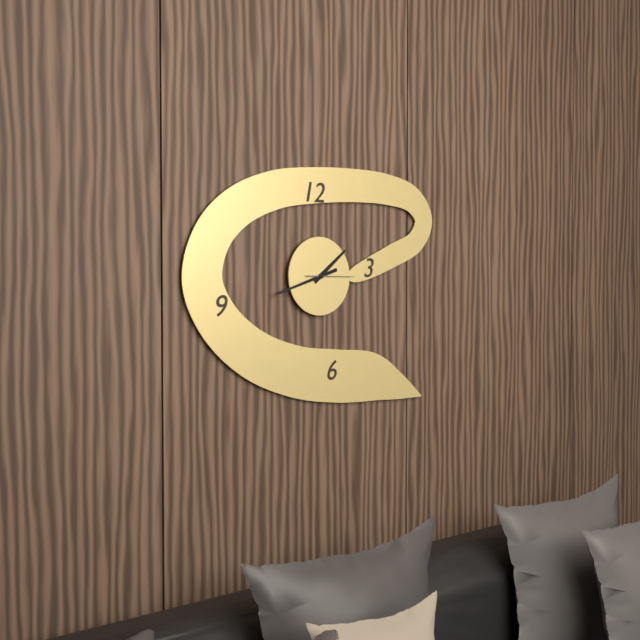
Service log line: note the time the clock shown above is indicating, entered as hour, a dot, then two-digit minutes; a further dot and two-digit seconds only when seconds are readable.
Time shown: 1.42
